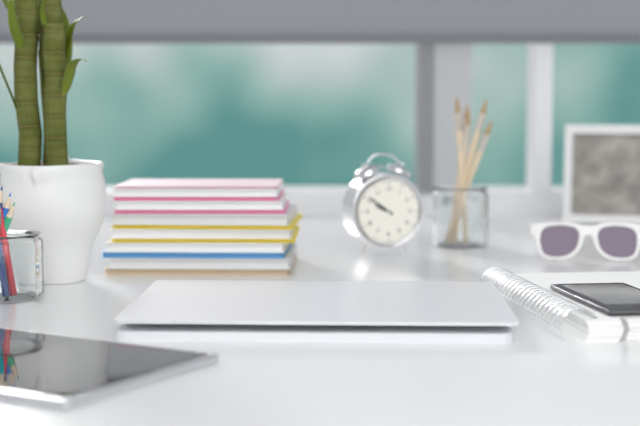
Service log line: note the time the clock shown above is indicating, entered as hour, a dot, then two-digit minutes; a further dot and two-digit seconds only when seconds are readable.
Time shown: 9.51
